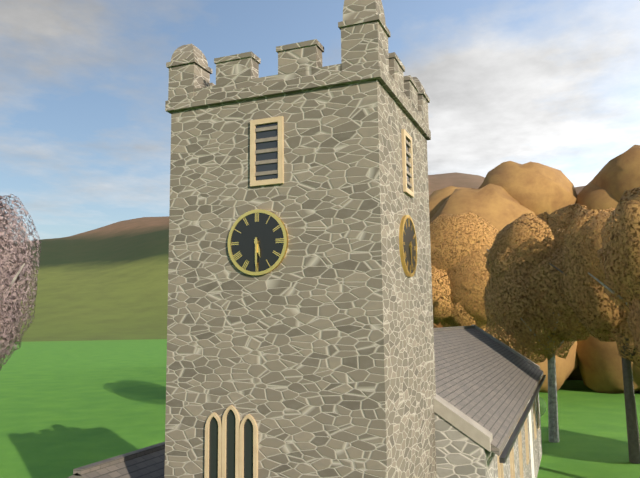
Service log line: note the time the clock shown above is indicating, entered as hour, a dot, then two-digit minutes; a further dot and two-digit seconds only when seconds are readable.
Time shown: 5.30
